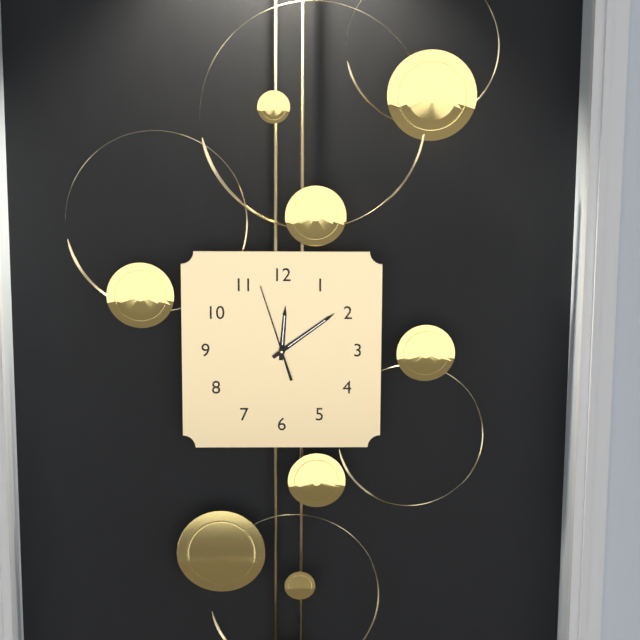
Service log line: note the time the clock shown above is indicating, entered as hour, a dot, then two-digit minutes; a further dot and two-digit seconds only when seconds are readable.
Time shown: 12.09.57
